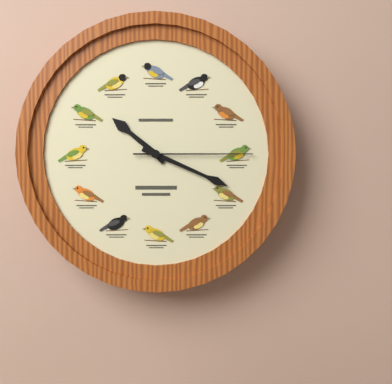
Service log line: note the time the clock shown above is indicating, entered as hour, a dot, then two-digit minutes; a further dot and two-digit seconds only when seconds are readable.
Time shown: 10.19.15
